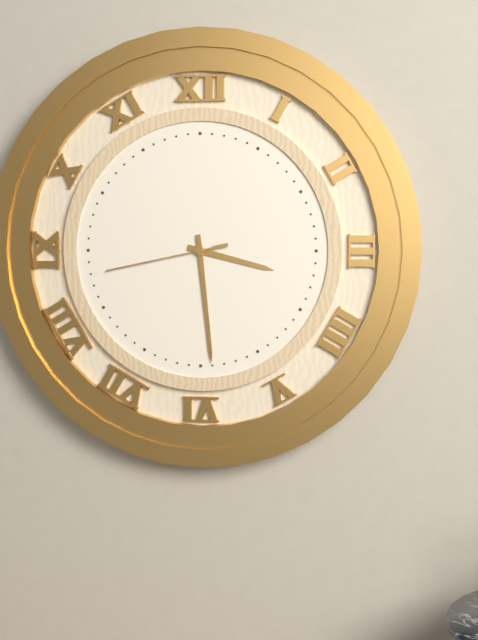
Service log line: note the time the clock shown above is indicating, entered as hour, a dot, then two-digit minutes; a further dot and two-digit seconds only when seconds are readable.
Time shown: 3.29.43
